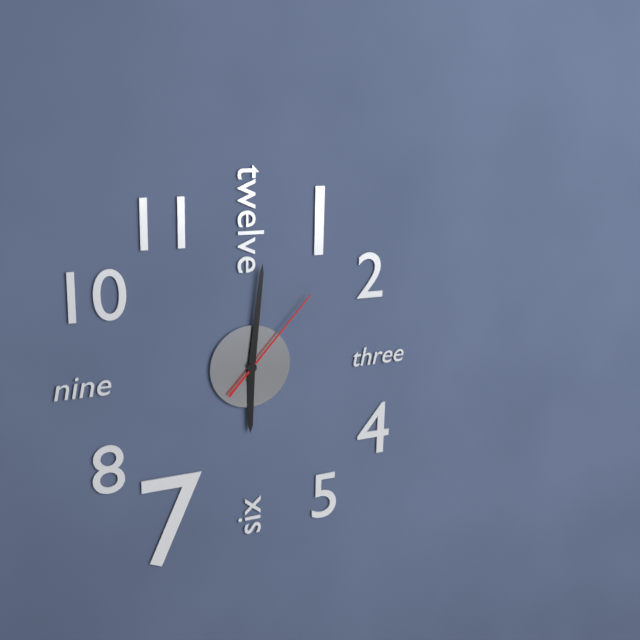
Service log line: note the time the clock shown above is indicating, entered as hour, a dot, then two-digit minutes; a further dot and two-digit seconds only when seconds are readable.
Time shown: 6.01.07
